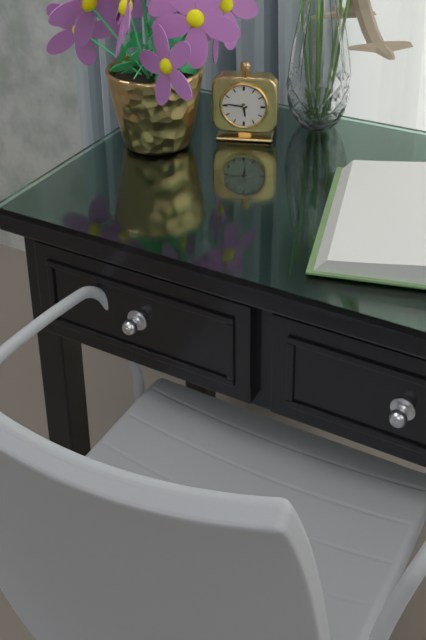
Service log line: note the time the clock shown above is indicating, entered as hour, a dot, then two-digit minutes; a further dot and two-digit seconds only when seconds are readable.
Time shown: 5.46
